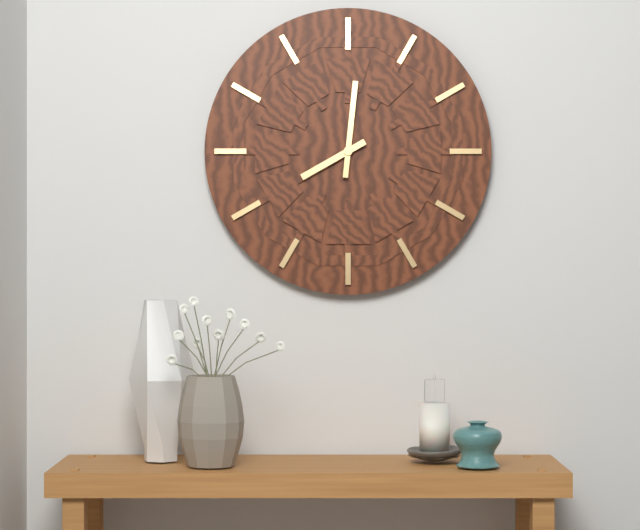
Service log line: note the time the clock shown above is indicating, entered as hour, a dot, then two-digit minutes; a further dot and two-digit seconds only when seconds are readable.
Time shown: 8.01
